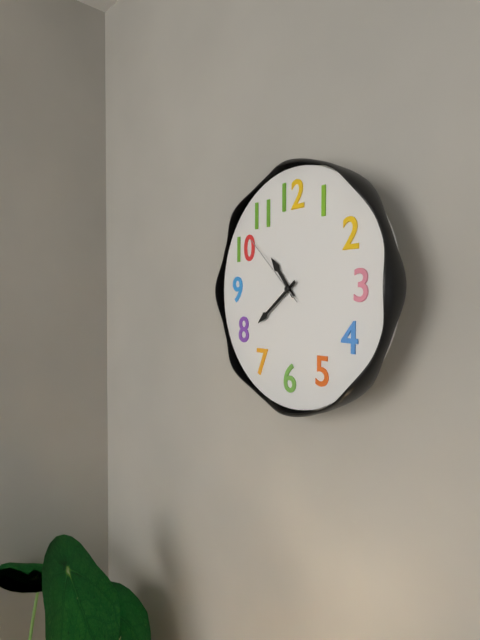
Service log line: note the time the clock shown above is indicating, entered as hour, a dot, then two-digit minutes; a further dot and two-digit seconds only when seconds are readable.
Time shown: 10.39.52
